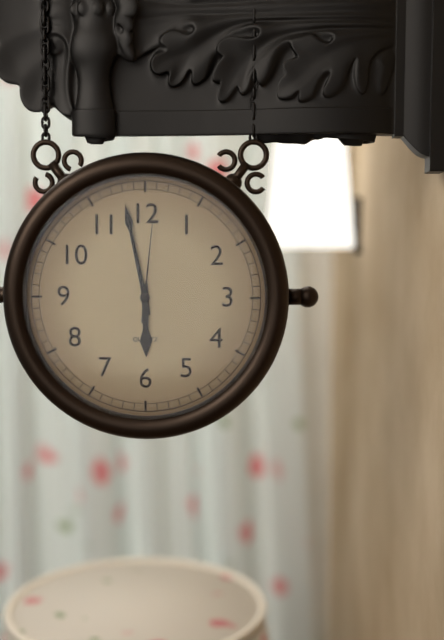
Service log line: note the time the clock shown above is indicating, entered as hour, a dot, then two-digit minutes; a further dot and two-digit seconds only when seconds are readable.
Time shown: 5.58.01
